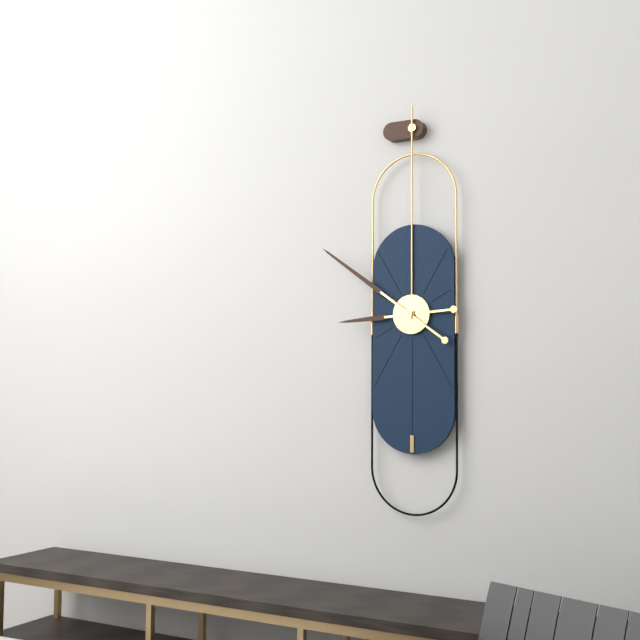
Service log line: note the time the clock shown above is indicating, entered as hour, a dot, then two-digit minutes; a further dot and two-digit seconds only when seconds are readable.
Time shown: 8.51
